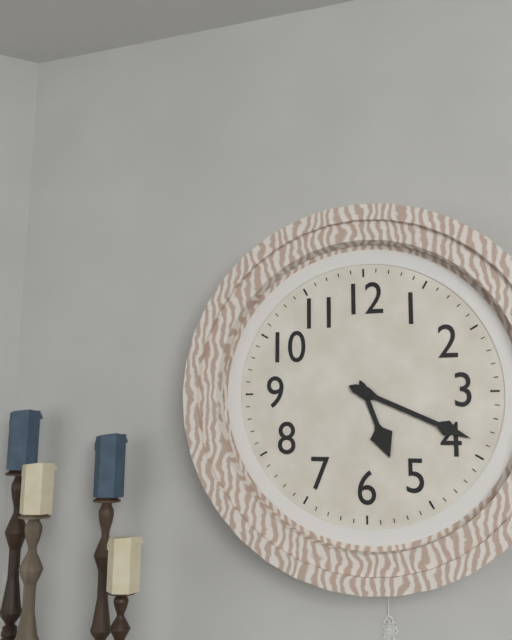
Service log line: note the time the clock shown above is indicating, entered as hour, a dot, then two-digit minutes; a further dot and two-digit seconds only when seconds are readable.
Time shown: 5.19
